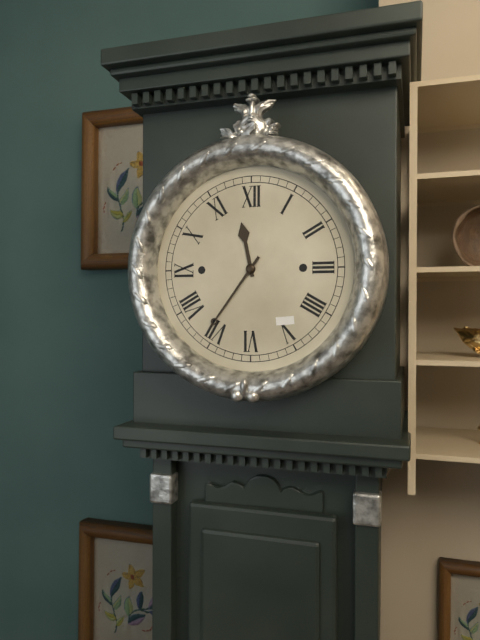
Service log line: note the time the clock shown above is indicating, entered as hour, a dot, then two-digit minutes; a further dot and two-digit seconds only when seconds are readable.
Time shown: 11.36
